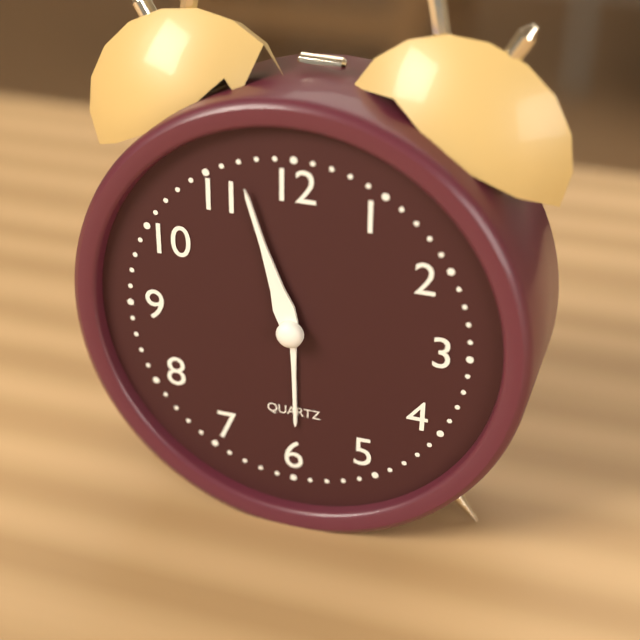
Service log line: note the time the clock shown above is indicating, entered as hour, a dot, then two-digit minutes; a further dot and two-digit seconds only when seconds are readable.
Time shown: 5.57
